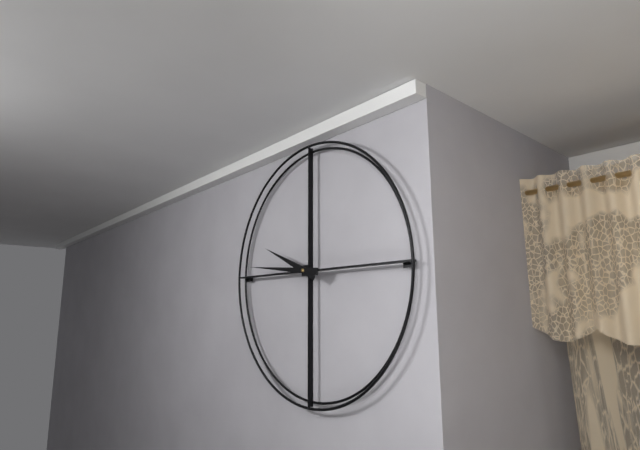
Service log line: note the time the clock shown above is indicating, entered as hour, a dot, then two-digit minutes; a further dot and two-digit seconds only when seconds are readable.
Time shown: 9.46
